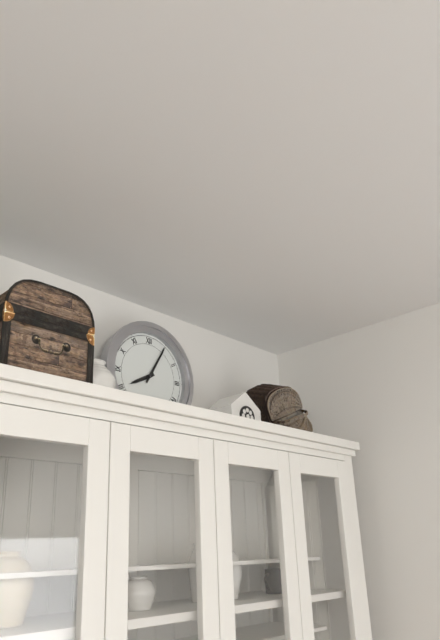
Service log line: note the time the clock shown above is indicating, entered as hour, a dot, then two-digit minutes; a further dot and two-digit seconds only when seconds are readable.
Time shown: 8.05
